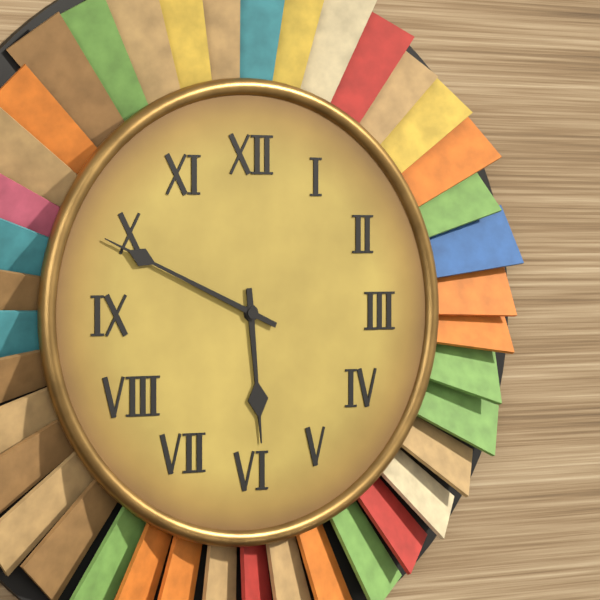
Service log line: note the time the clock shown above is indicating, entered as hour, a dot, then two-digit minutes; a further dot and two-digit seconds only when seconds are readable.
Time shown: 5.49
